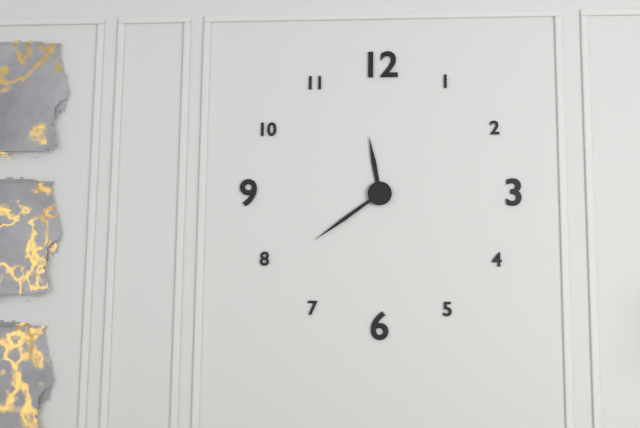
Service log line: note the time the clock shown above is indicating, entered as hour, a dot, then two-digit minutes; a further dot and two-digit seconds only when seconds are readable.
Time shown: 11.39
